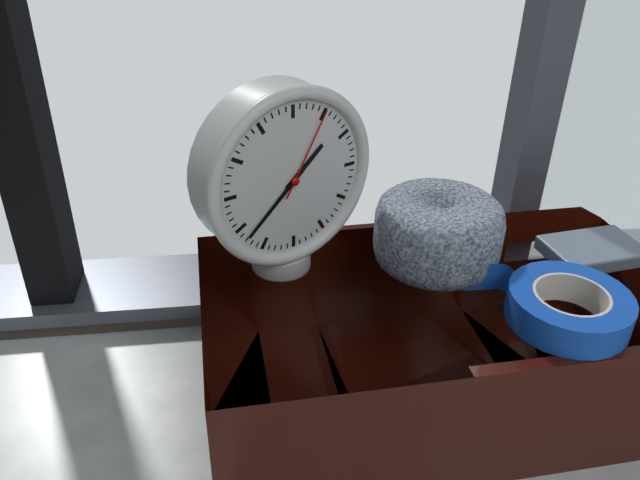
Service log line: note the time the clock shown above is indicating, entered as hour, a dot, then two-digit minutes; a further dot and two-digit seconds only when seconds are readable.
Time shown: 1.38.05
